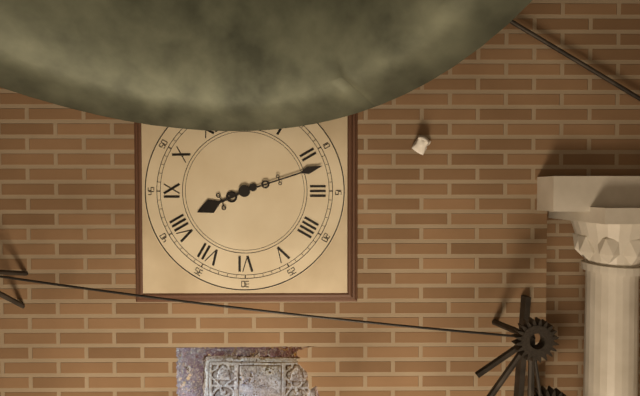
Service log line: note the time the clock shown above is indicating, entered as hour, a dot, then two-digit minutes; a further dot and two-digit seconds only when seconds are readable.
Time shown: 8.12
